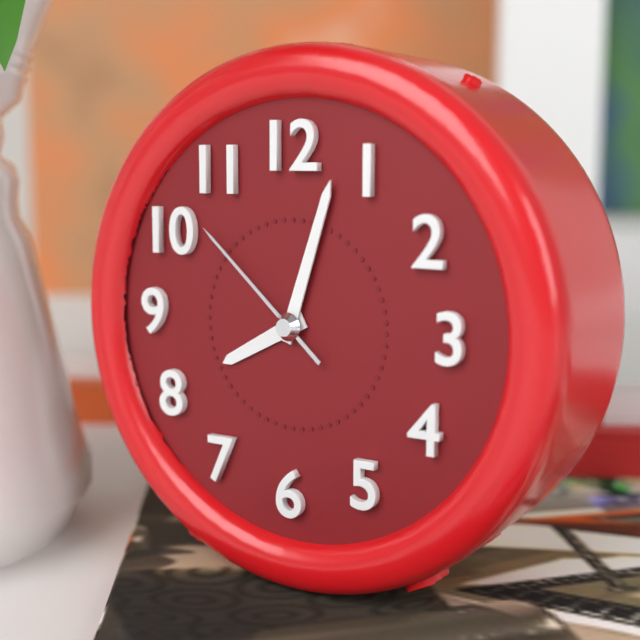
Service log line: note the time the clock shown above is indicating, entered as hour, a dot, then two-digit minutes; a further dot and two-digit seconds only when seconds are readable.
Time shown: 8.03.52
